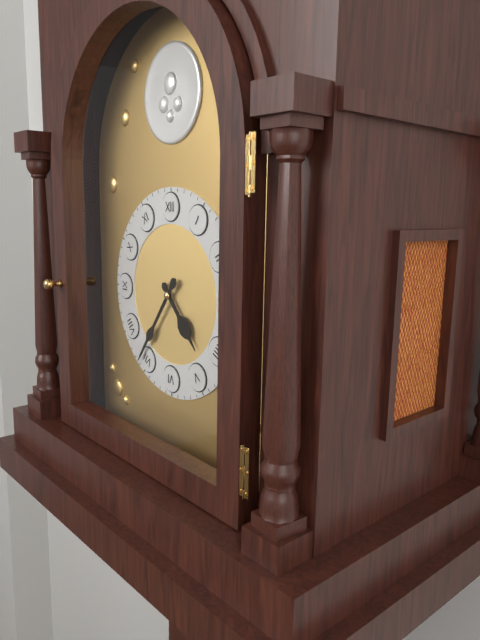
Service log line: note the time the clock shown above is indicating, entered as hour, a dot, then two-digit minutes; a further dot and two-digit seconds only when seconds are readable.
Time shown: 4.36
